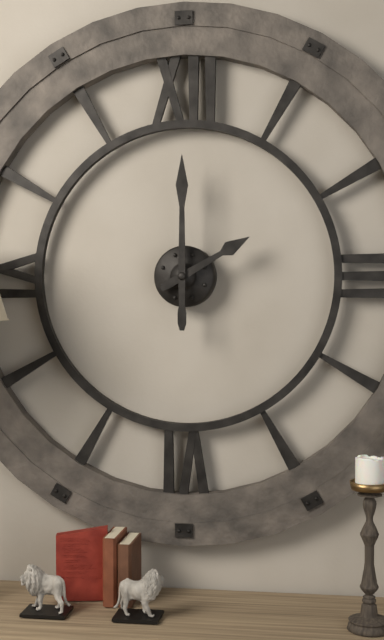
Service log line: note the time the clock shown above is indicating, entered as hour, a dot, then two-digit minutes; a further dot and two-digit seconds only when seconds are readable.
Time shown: 2.00
